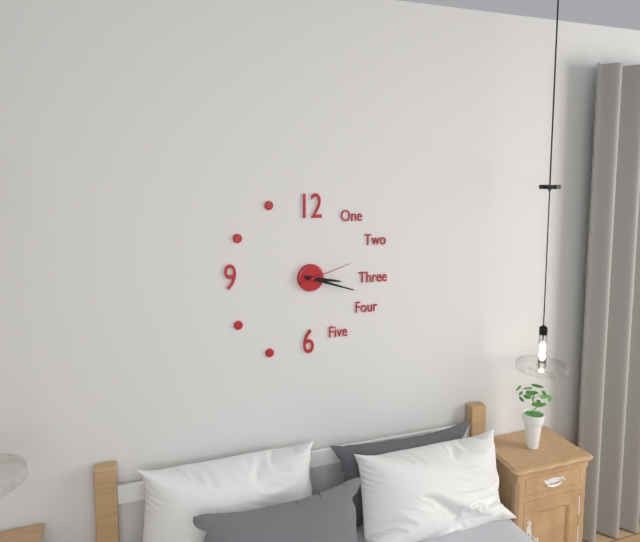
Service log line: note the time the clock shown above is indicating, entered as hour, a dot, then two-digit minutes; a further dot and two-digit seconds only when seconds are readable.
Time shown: 3.18.12
